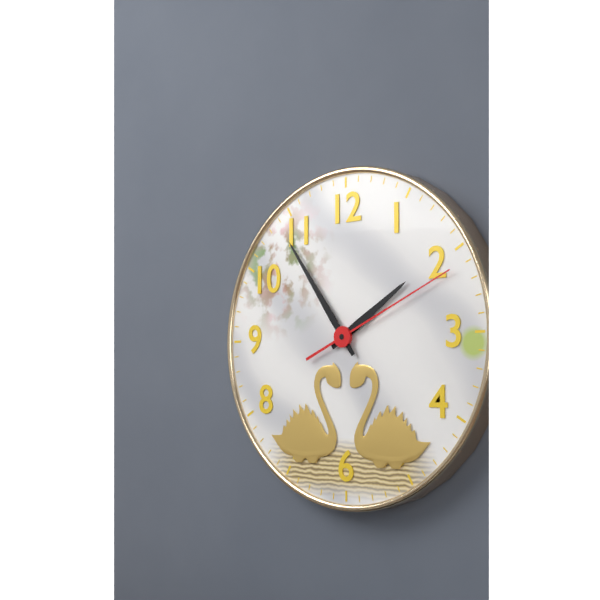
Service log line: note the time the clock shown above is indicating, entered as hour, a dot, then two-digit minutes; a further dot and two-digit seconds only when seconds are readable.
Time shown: 1.54.11
